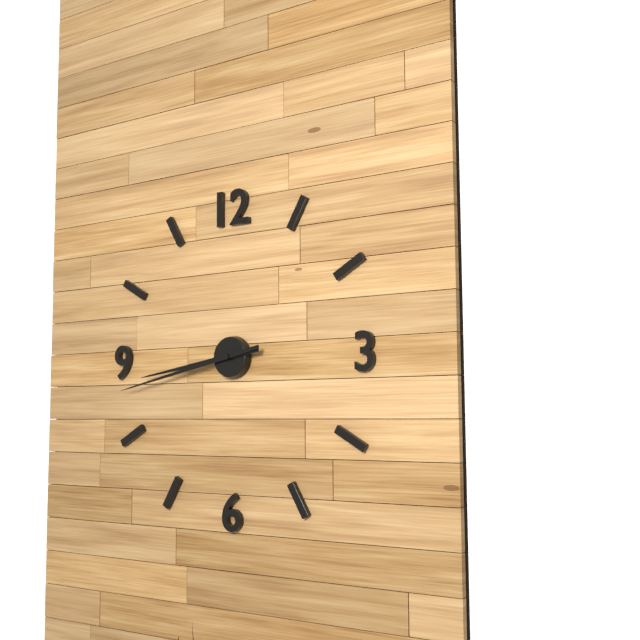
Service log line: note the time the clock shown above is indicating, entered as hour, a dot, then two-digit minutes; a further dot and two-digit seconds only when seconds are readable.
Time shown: 8.43
